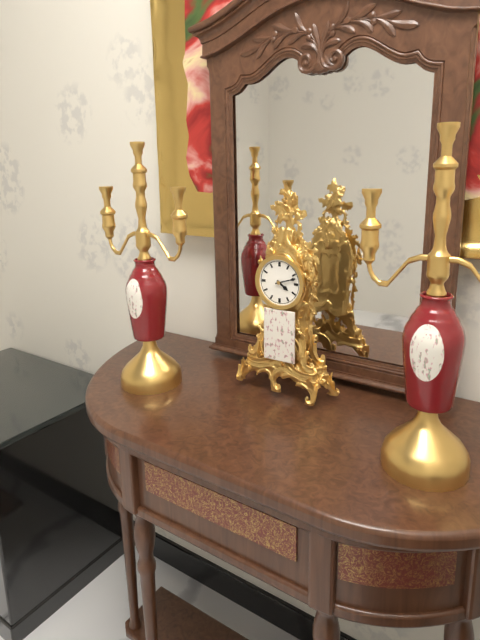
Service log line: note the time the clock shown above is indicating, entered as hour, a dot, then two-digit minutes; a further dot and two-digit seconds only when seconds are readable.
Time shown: 4.12
